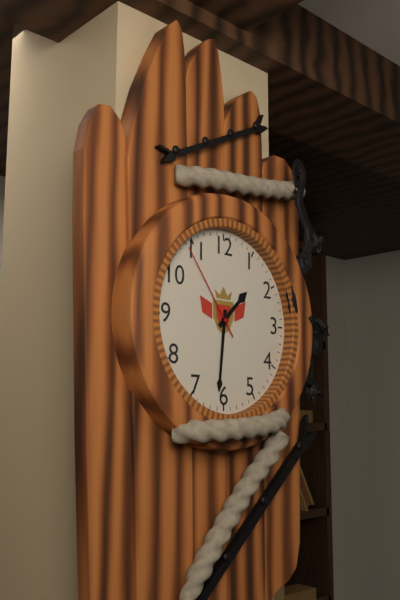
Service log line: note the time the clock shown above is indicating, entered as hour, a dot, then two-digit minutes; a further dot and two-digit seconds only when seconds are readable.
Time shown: 1.31.54
